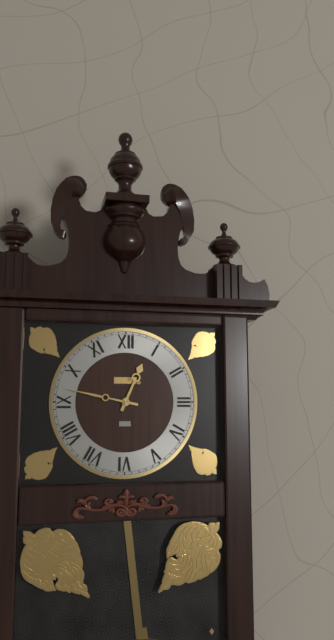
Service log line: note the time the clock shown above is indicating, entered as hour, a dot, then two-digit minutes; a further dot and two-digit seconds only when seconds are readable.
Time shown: 12.47
